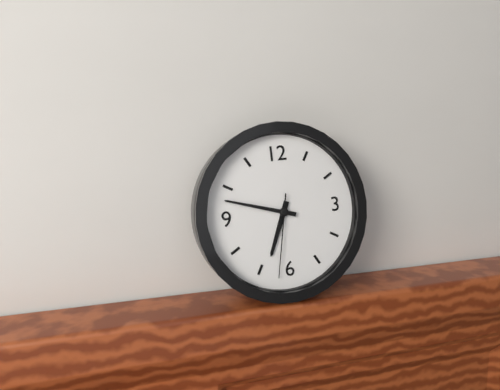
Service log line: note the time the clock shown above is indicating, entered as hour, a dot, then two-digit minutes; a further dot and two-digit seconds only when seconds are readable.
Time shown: 6.48.32
